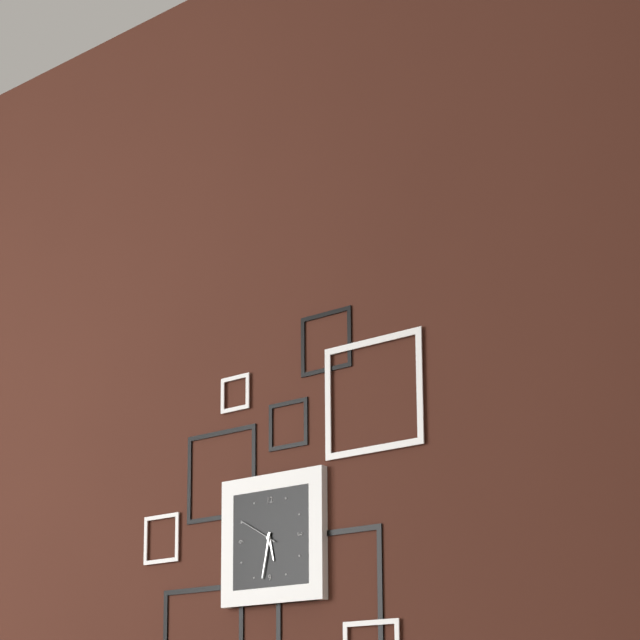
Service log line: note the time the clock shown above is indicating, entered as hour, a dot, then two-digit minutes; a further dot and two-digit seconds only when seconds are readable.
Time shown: 5.32
